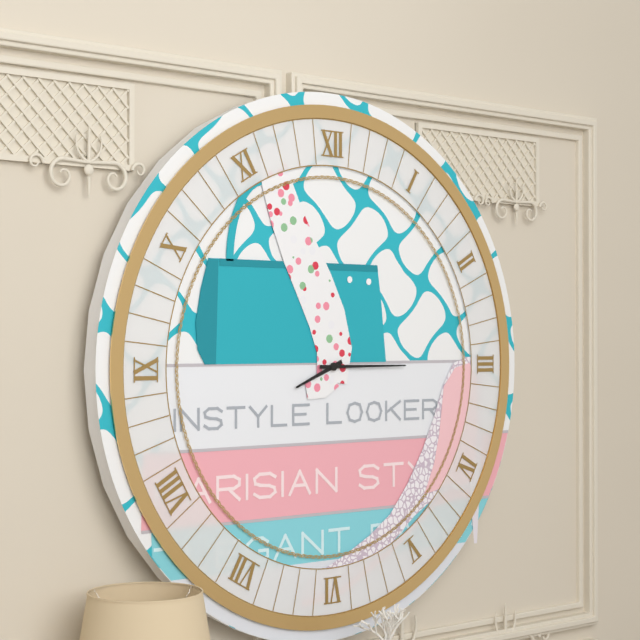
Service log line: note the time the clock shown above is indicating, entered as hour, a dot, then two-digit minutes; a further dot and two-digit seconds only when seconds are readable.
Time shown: 8.15
